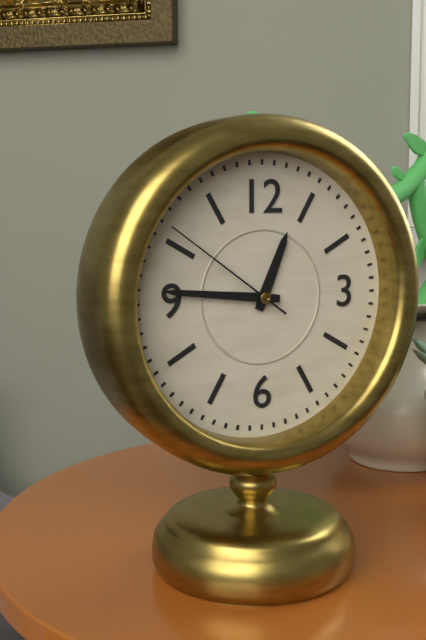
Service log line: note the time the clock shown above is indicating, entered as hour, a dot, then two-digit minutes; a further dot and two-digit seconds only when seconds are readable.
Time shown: 12.46.51
